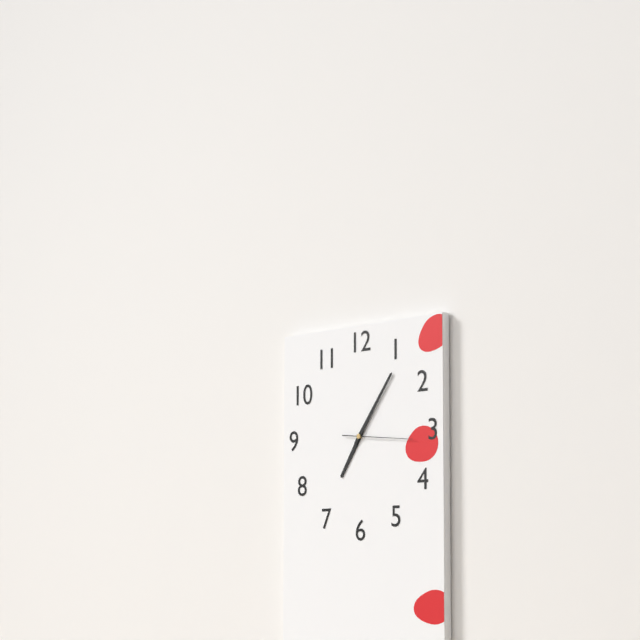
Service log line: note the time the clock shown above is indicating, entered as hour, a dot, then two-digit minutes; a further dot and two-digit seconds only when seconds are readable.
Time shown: 7.06.16
